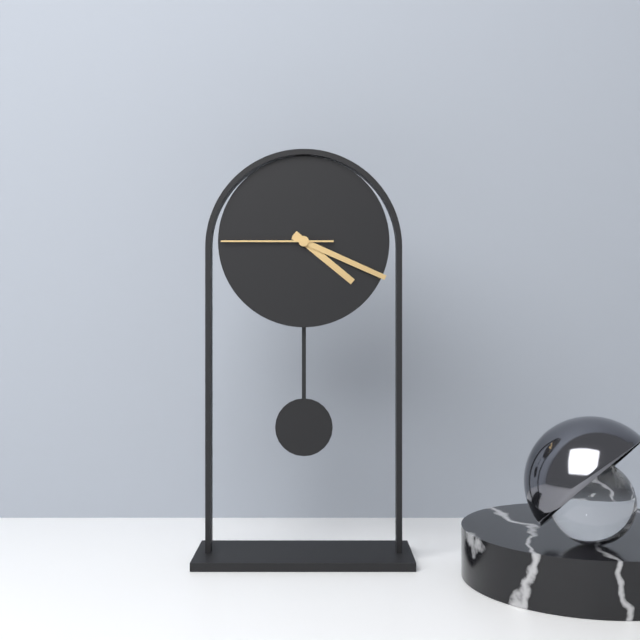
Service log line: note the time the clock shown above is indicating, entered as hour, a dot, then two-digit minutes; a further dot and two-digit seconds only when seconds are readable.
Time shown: 4.19.45
